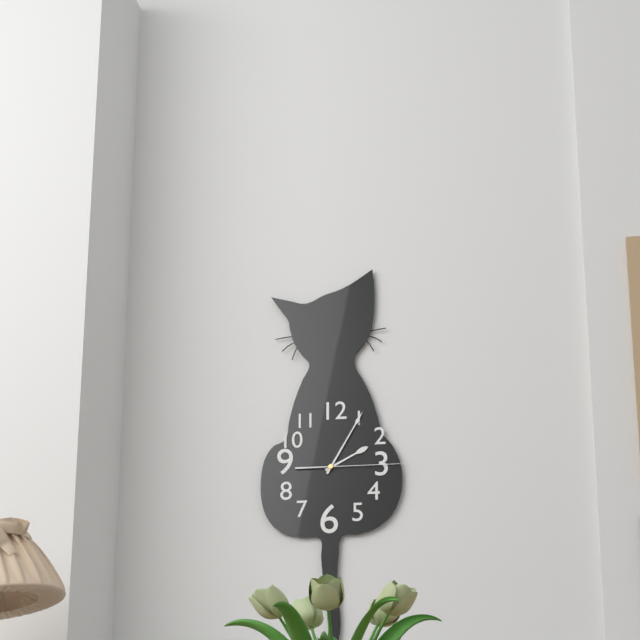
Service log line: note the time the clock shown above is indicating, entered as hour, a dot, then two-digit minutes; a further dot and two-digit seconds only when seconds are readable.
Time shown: 2.05.15
